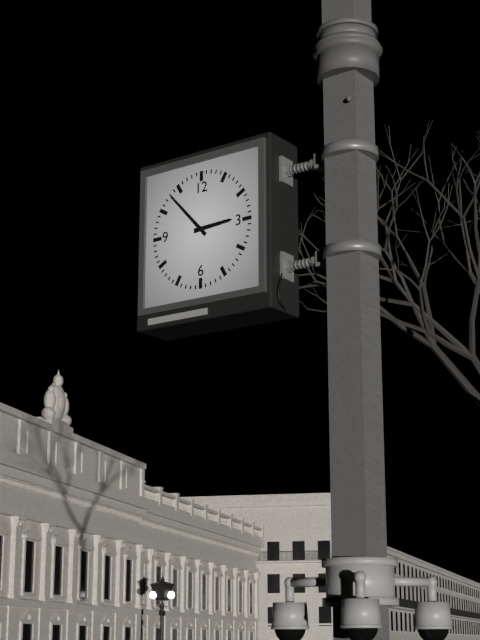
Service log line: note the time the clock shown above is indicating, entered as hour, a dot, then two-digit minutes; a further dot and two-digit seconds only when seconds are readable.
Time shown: 2.53
